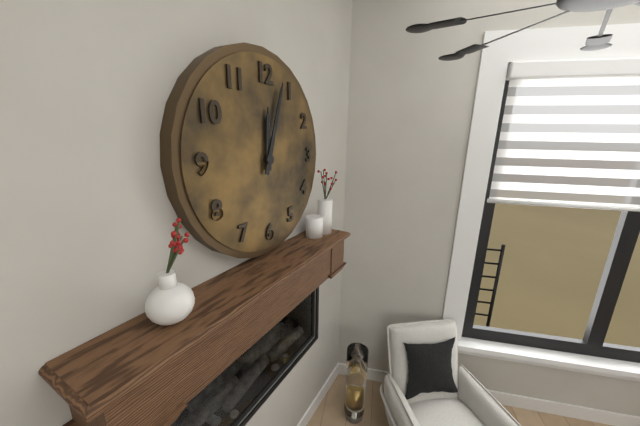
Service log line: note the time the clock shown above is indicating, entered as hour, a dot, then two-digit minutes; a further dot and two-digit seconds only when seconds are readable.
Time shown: 12.03
